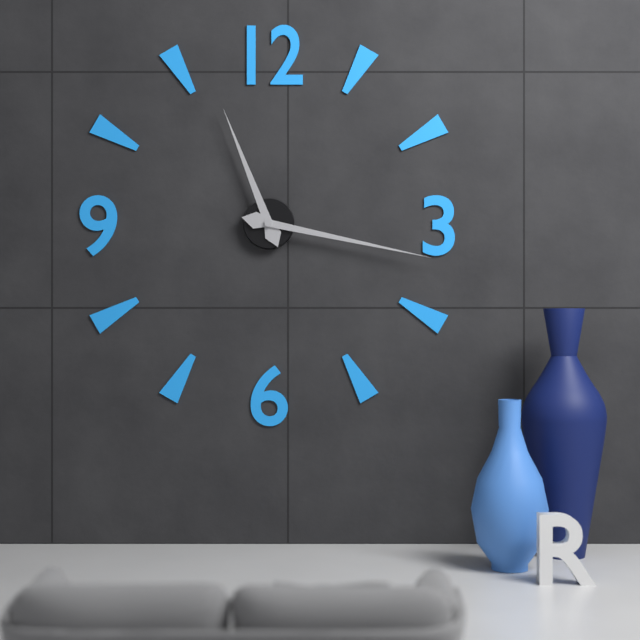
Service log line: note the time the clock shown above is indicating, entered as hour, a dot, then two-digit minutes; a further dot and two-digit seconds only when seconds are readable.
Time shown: 11.17
